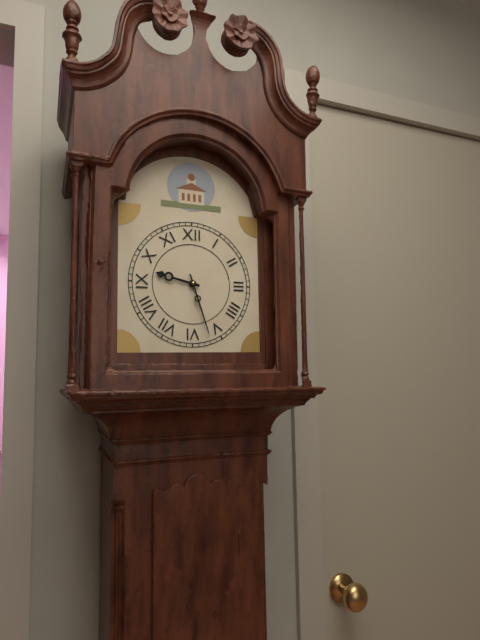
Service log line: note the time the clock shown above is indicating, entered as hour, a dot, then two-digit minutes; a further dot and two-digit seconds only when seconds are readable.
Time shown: 9.27
